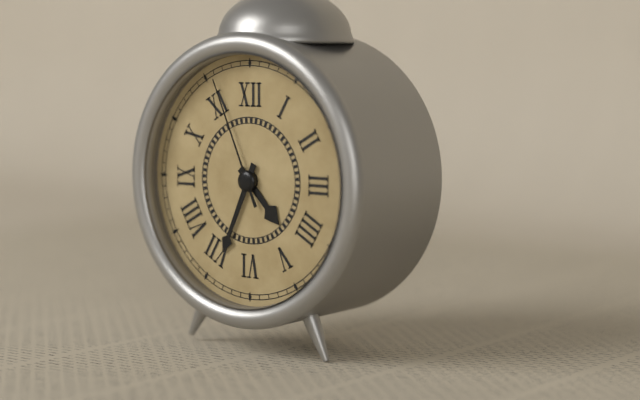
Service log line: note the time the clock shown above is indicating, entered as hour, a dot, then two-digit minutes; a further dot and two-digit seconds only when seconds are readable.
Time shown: 4.34.56
